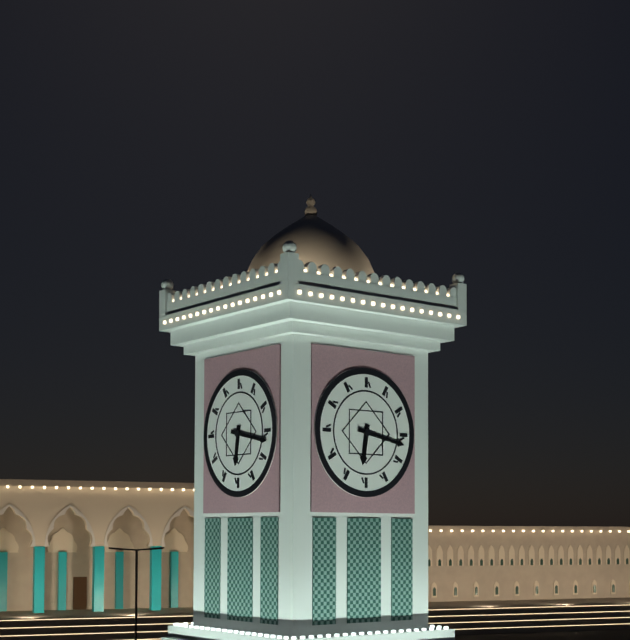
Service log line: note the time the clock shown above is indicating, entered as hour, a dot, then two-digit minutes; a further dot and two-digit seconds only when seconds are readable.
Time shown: 6.17
